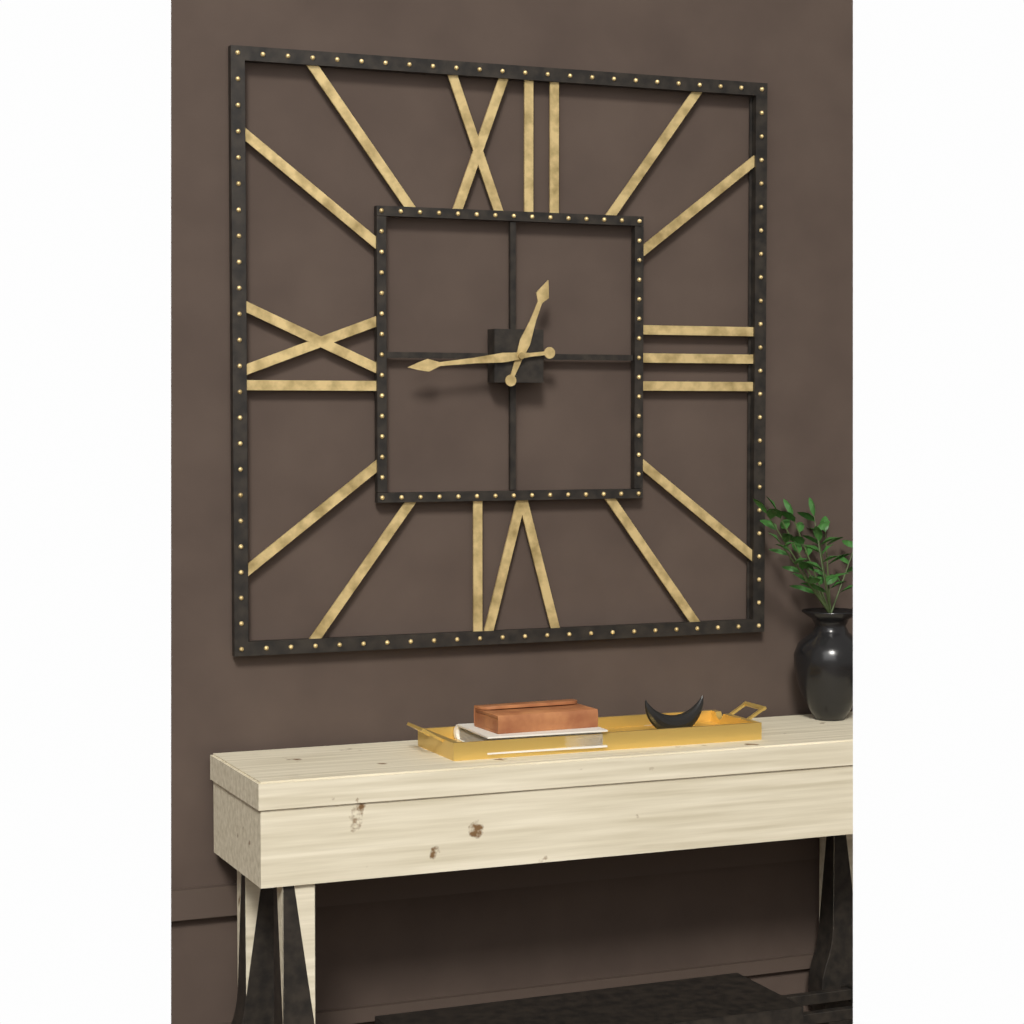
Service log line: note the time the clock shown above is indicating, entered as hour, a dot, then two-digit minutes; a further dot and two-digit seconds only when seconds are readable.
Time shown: 12.44
